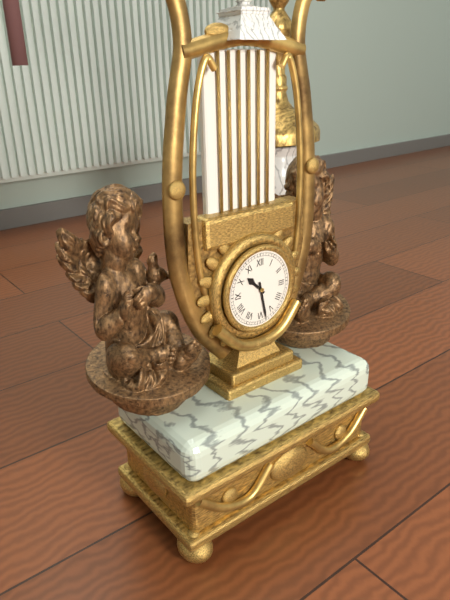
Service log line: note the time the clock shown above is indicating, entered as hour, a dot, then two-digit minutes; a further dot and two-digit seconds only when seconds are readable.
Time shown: 10.28
